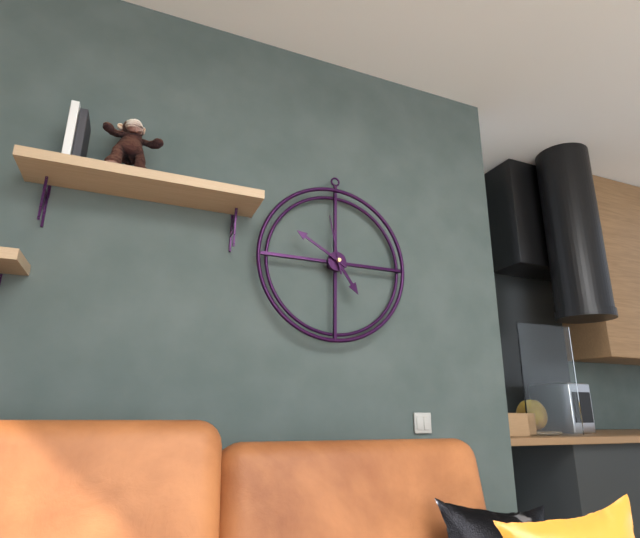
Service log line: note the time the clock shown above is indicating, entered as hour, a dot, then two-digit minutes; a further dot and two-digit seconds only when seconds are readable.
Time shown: 4.50.58
